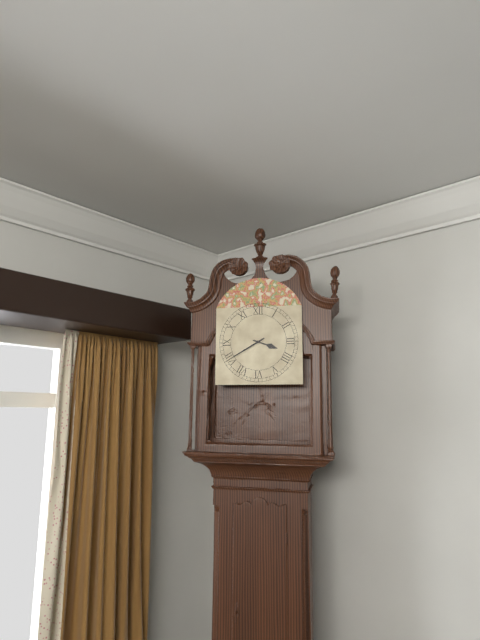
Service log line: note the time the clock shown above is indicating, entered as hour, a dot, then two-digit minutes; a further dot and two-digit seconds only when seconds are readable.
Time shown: 3.40
